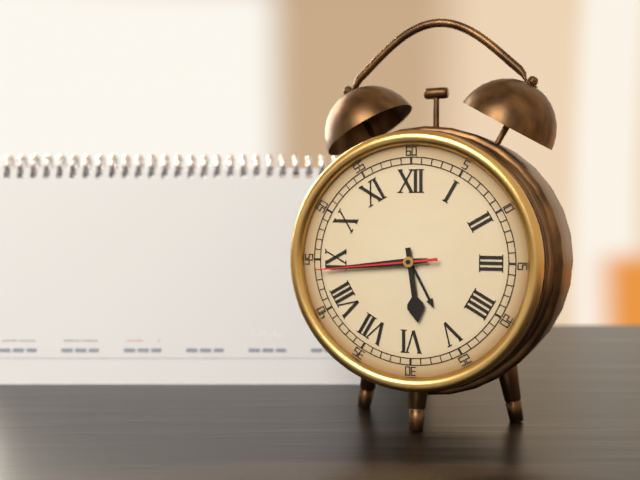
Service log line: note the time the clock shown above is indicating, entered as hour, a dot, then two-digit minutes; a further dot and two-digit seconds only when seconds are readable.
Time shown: 5.44.44
